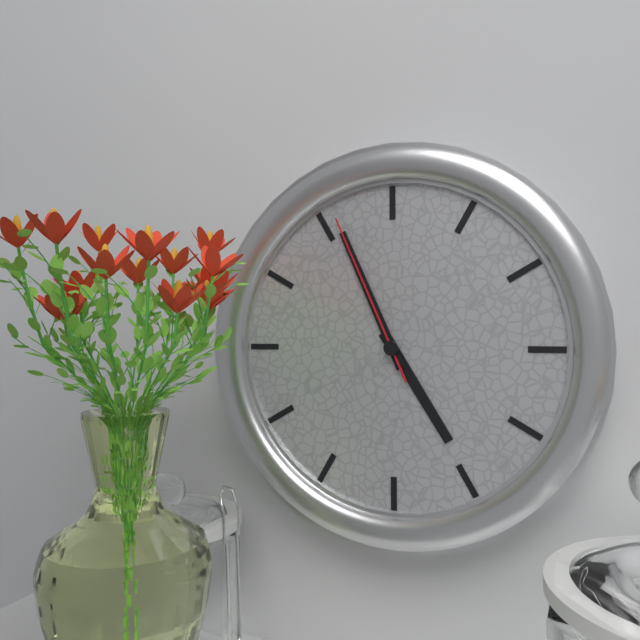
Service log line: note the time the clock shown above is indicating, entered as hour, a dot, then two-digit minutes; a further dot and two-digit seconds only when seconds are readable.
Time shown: 4.56.56
